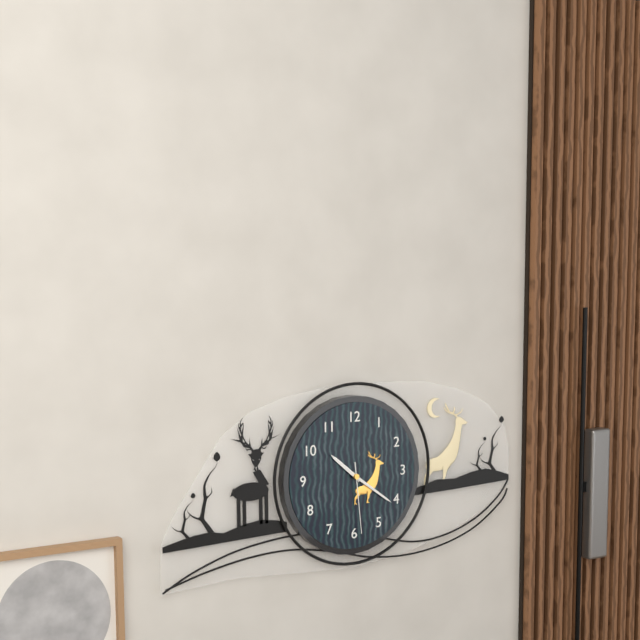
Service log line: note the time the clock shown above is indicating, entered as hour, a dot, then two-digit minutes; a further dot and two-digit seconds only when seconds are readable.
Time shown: 10.21.29
